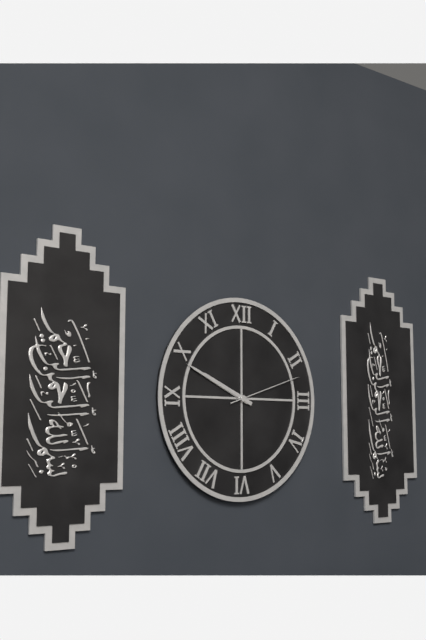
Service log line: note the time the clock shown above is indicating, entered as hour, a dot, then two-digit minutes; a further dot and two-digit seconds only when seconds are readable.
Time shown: 9.49.12
